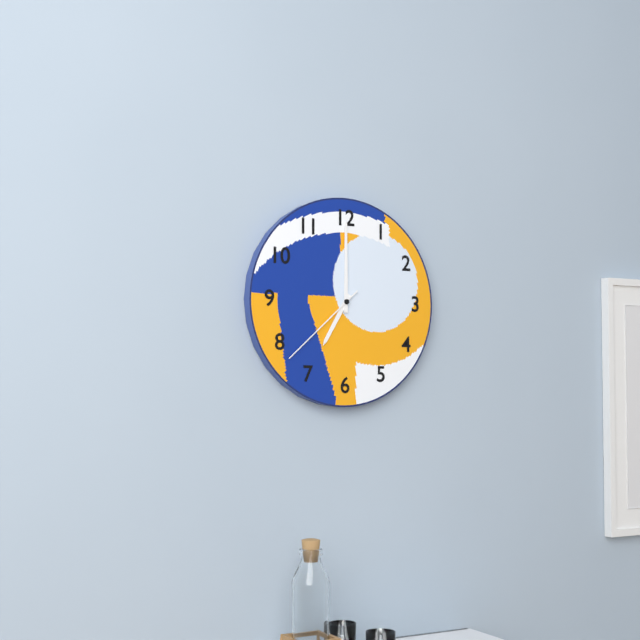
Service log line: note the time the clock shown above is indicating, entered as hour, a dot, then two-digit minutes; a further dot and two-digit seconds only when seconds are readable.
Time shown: 7.00.38
